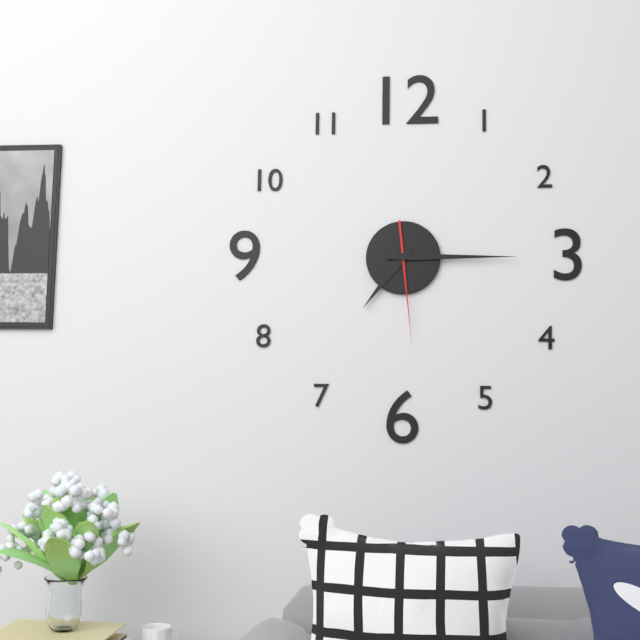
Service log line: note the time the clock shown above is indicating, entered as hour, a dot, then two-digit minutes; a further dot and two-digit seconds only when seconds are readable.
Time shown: 7.15.29
